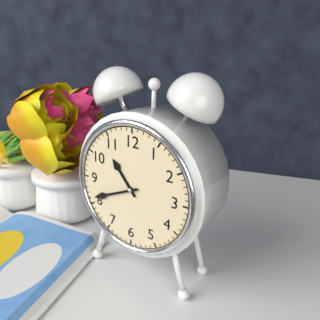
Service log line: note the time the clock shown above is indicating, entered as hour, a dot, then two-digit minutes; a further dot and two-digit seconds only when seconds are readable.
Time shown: 10.41
